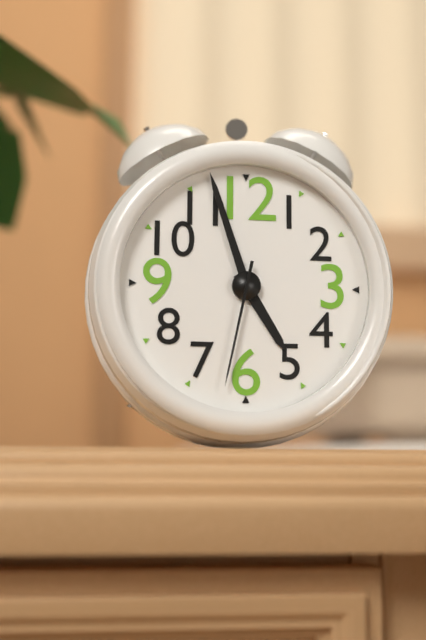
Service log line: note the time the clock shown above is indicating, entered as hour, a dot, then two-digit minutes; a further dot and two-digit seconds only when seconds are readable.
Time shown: 4.57.32
